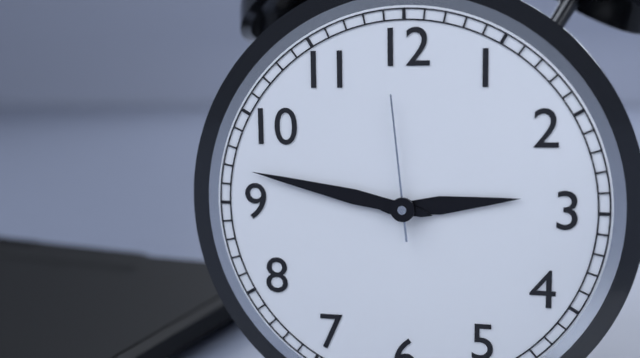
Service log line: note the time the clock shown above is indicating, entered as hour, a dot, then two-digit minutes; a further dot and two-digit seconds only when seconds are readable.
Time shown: 2.47.59
